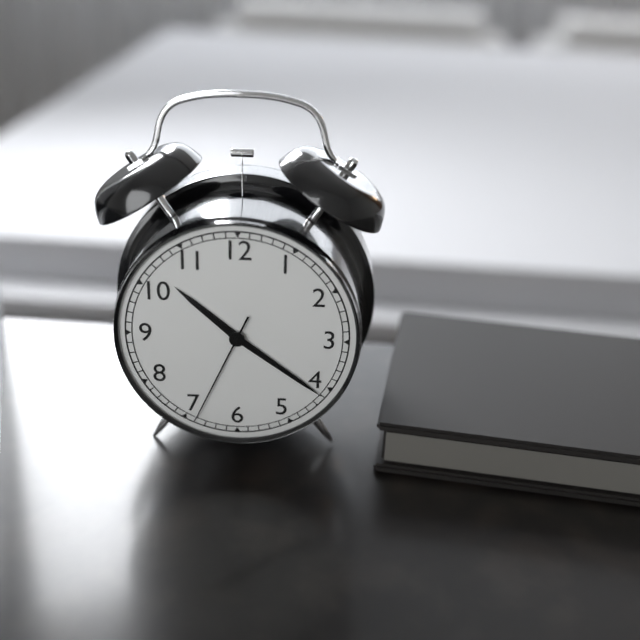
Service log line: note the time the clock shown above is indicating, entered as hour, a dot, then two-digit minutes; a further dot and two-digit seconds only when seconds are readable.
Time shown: 10.21.34
